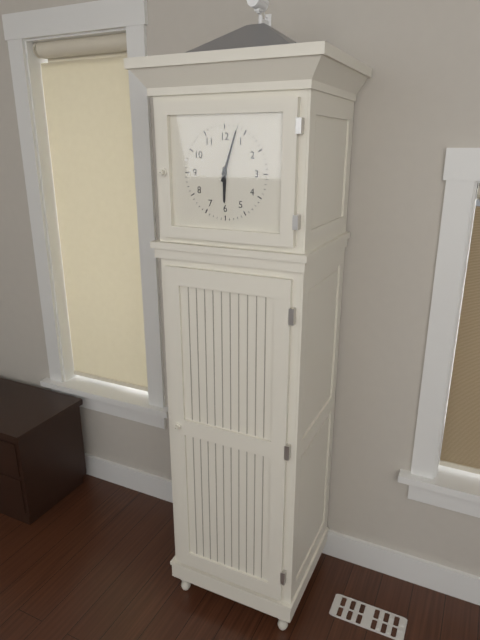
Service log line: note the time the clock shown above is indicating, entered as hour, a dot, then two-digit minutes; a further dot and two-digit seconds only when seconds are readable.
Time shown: 6.03
